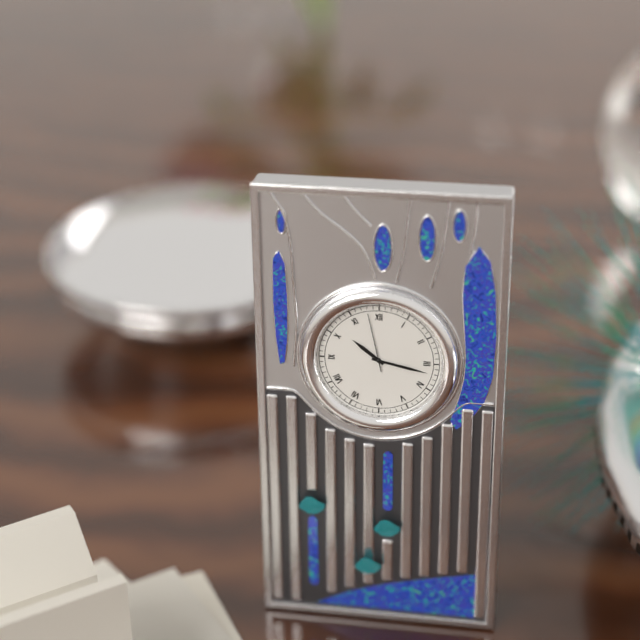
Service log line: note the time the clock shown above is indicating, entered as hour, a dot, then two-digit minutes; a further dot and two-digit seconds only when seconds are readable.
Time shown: 10.17.58
